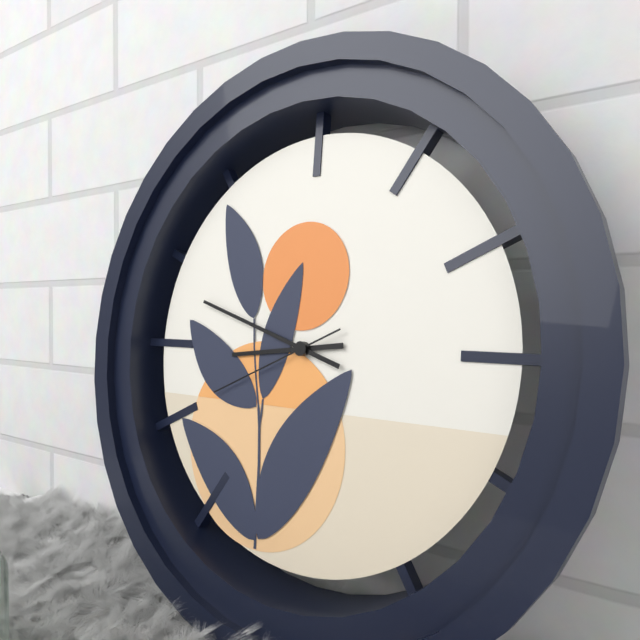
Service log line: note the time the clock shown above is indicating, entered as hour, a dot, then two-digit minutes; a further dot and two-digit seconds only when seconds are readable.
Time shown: 8.48.41
